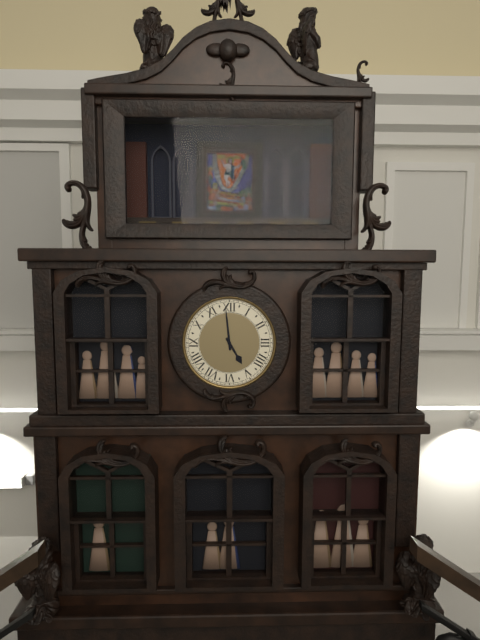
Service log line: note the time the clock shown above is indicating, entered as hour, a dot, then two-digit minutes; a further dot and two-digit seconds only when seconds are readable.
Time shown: 4.59
